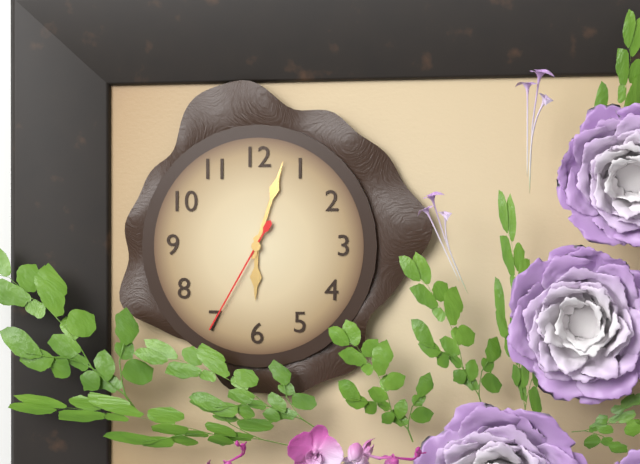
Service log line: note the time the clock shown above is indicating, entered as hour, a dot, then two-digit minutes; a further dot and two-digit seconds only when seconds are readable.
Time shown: 6.03.35
